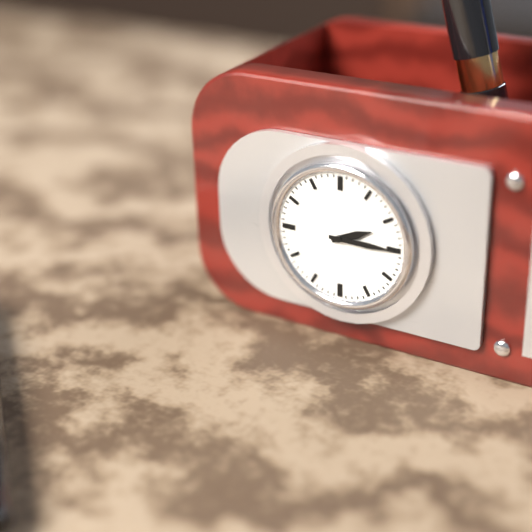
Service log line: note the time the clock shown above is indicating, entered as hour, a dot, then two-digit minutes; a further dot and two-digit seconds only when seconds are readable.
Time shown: 2.15
